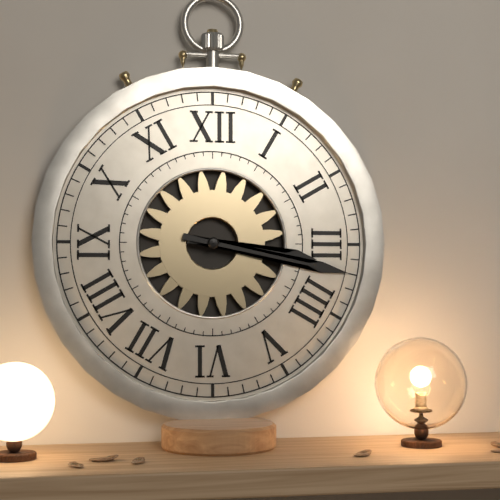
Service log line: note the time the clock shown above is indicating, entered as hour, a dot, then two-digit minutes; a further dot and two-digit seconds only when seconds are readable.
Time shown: 3.17
